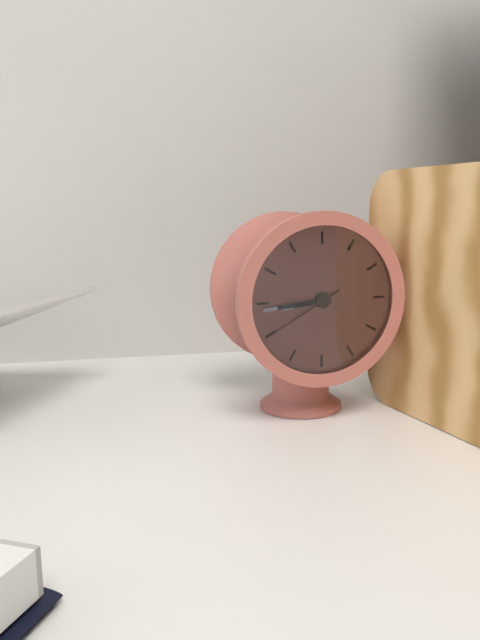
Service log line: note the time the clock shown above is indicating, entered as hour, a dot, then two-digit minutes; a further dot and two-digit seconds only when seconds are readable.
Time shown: 8.44.40
